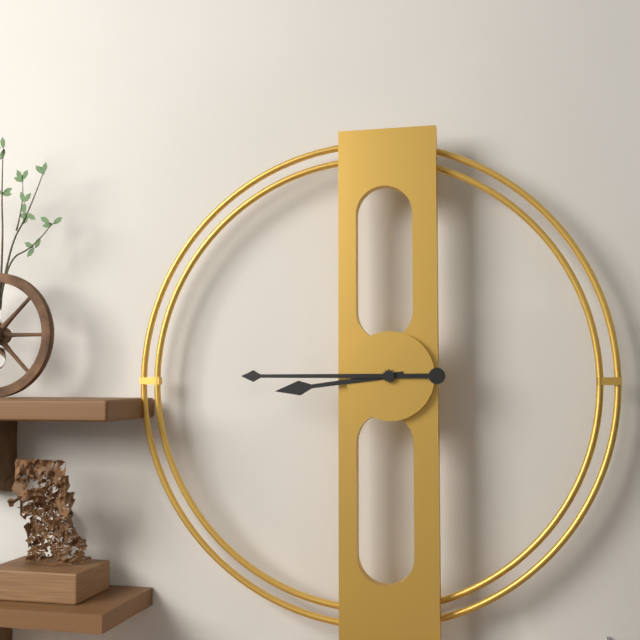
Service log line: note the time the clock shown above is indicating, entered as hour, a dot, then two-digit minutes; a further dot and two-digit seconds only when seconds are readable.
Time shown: 8.45
